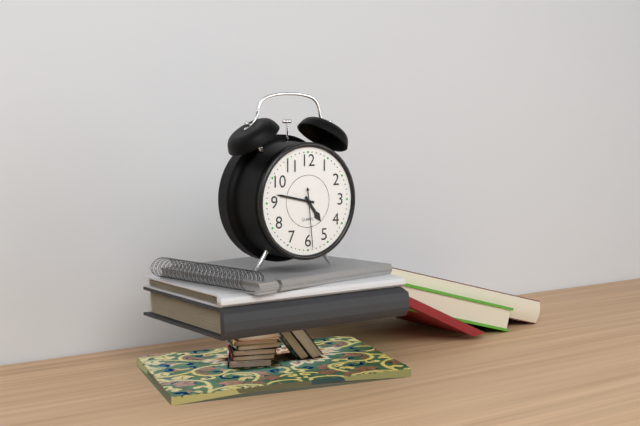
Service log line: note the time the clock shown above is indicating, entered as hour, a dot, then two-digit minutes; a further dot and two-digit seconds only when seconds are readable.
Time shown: 4.47.29
